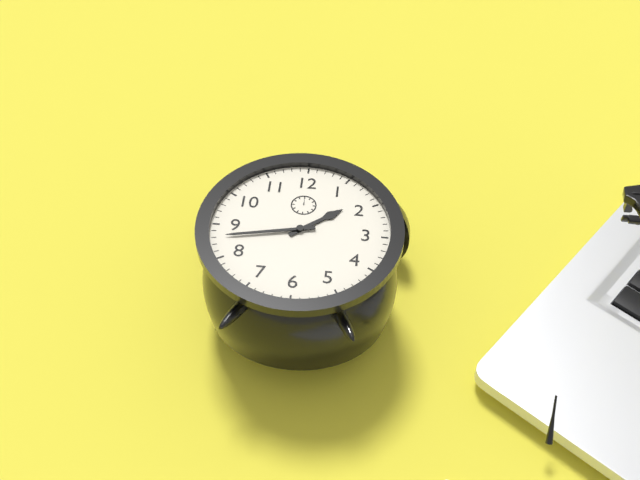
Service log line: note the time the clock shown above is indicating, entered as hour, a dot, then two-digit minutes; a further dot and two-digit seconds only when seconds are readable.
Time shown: 1.43
